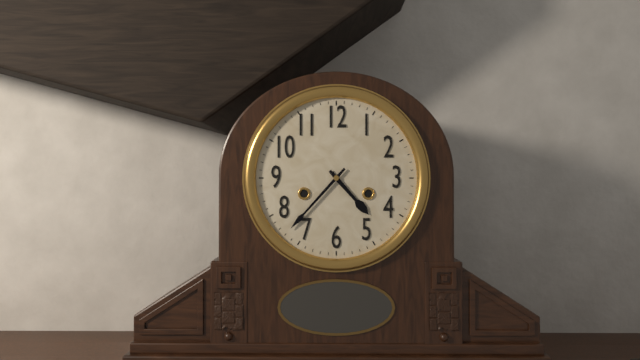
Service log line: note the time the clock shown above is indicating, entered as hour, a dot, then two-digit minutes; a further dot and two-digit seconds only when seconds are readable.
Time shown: 4.37
